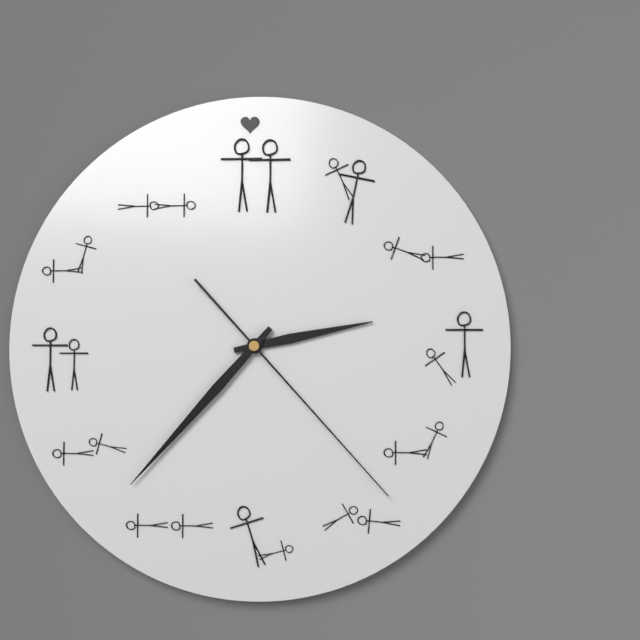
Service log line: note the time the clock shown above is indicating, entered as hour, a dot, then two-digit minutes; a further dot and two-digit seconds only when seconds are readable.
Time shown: 2.37.23
